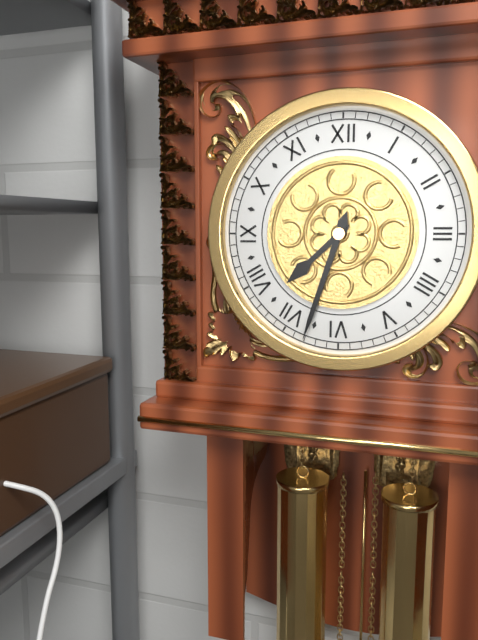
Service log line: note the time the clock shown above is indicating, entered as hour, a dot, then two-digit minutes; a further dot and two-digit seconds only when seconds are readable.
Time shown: 7.33
